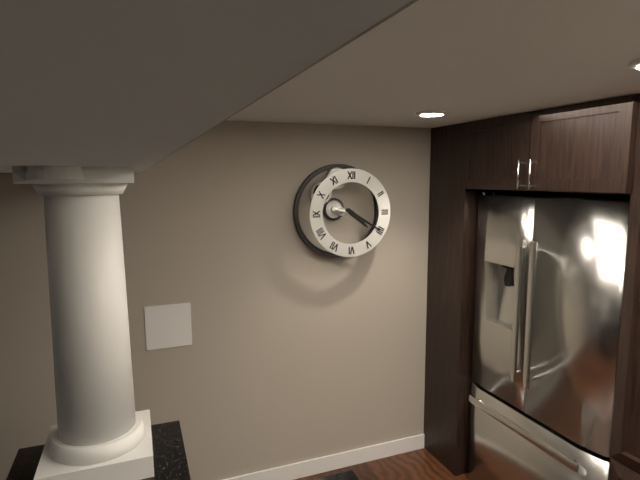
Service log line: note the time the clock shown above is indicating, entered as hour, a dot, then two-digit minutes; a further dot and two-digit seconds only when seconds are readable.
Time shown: 4.20
